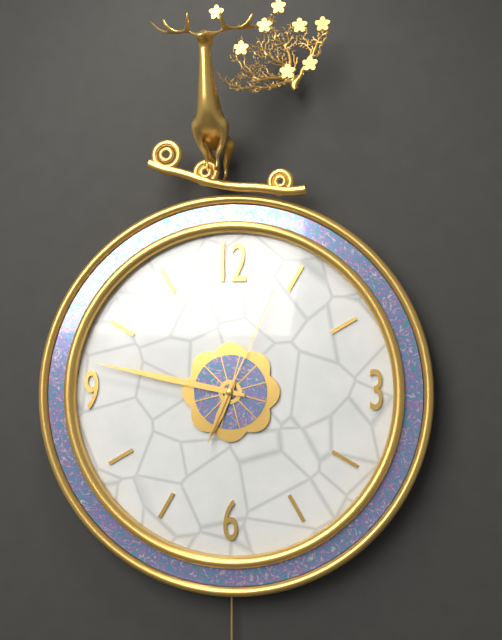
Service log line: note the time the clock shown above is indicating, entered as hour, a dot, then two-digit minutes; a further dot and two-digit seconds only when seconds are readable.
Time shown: 6.47.04
